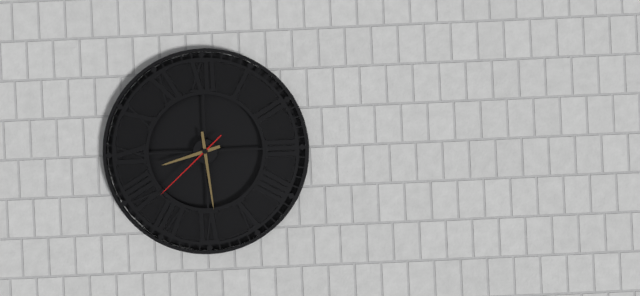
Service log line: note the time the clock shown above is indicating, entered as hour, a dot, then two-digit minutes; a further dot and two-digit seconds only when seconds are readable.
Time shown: 8.29.38
